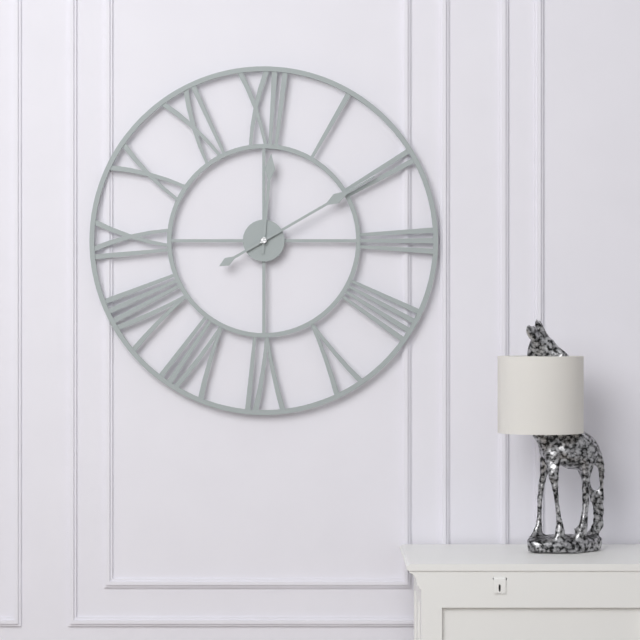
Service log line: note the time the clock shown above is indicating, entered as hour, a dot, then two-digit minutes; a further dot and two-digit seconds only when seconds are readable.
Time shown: 12.10
